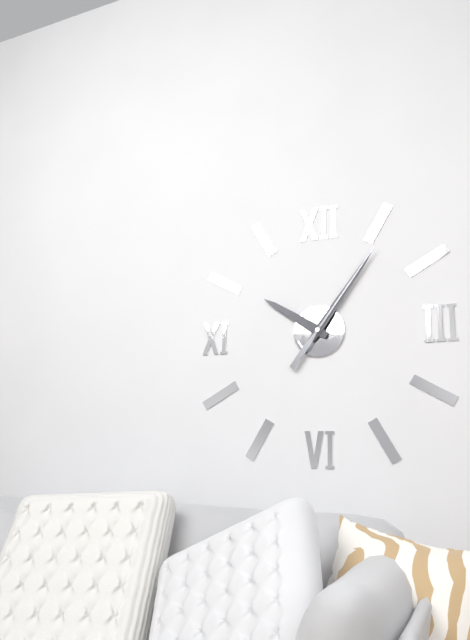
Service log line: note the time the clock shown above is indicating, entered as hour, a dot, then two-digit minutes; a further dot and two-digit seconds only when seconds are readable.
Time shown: 10.06.06
